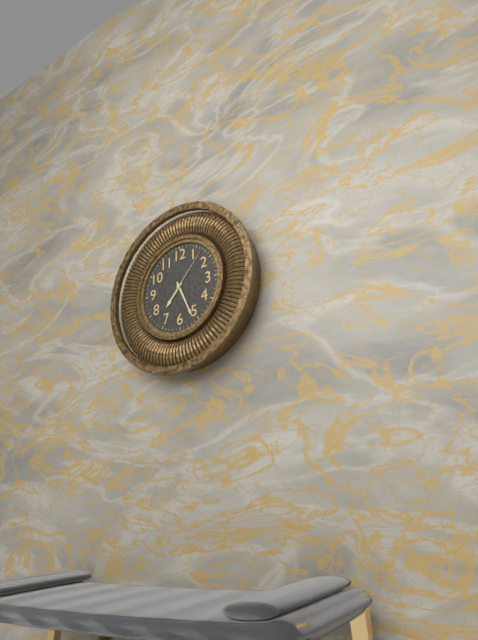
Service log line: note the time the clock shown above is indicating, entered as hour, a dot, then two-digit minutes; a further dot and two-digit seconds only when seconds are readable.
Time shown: 7.26.07
